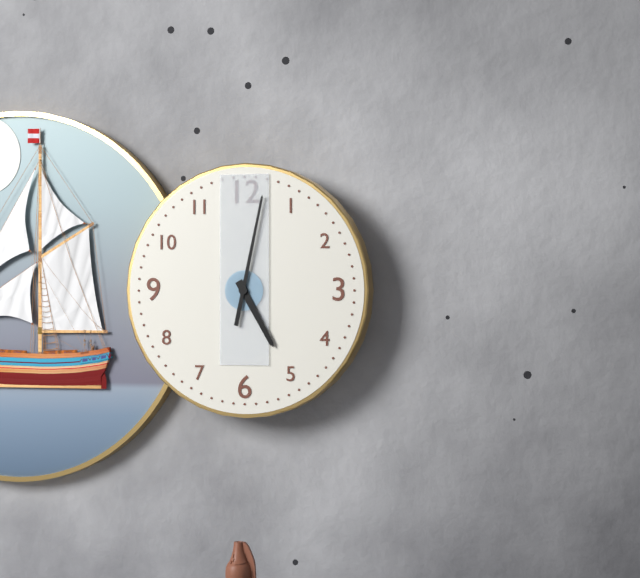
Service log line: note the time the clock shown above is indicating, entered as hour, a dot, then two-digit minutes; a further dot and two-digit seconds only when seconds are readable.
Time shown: 5.02
